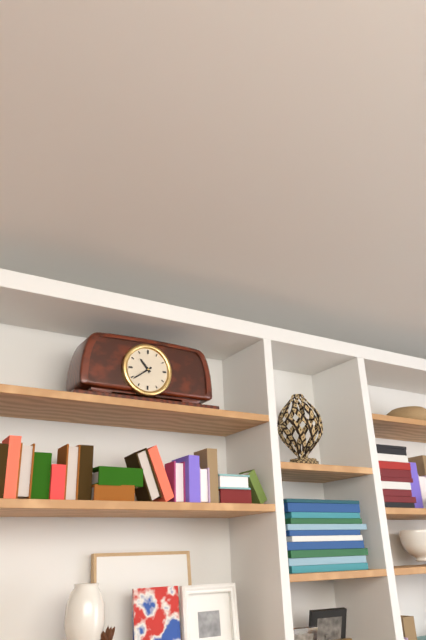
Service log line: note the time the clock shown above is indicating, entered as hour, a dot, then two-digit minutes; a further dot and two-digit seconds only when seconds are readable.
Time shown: 10.39
